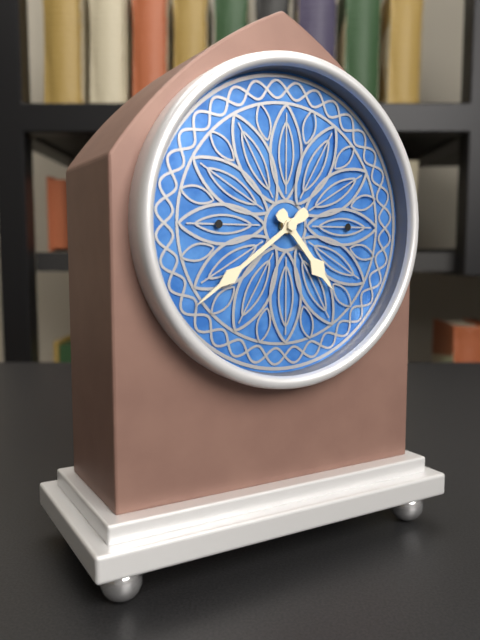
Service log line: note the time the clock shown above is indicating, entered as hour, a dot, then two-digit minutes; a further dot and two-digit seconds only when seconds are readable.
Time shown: 4.39
